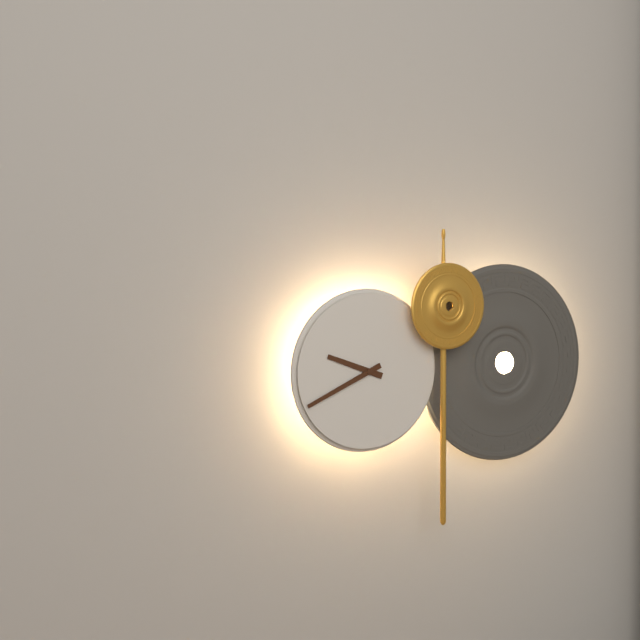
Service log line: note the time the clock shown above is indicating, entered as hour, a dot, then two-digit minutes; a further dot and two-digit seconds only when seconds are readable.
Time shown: 9.41
